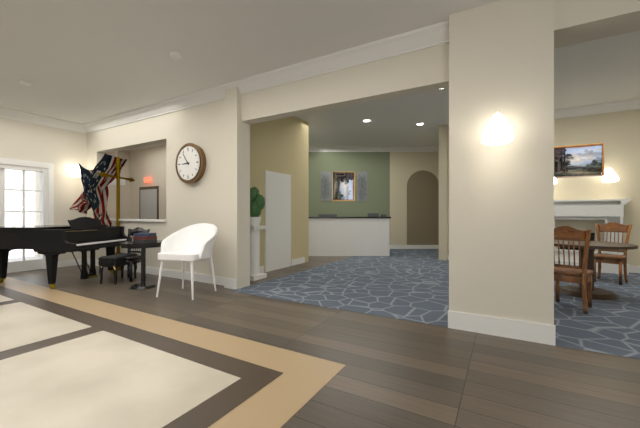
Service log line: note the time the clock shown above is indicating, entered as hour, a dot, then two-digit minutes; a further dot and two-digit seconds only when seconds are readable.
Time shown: 8.54
